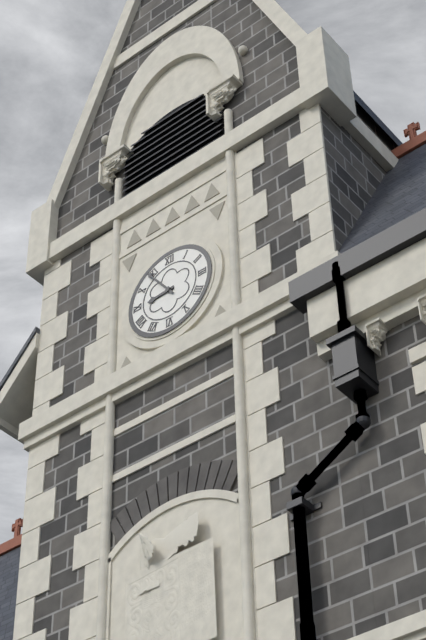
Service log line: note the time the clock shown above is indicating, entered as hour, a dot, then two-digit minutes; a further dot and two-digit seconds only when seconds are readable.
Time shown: 8.54
